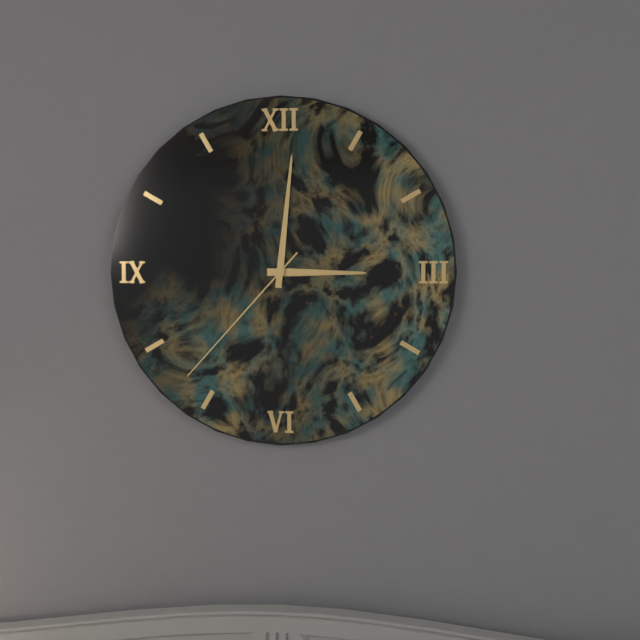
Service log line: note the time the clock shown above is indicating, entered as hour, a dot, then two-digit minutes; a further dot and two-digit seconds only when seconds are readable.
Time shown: 3.01.37
